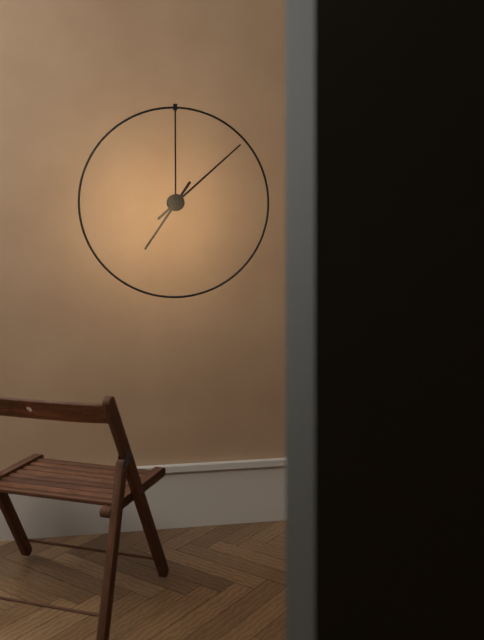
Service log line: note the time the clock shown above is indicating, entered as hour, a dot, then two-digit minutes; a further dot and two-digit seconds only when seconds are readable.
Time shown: 7.08
